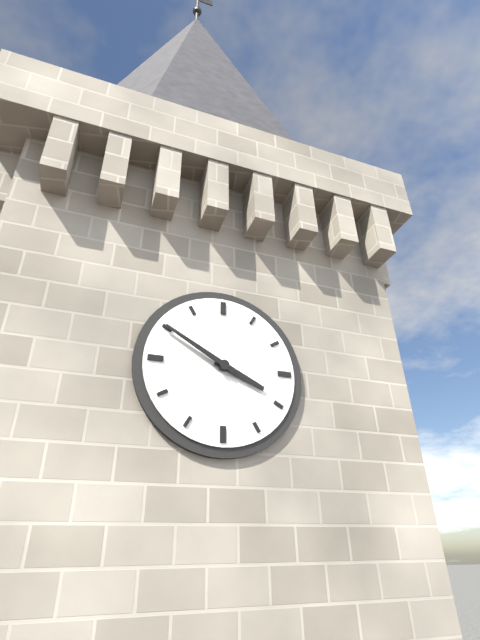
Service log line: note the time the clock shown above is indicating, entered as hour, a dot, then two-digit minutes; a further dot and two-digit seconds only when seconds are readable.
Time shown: 3.50
